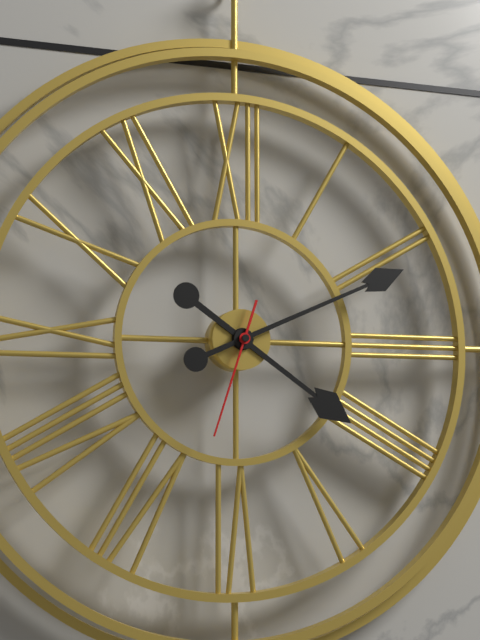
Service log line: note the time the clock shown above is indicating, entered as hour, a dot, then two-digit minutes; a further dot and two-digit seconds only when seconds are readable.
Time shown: 4.11.33
